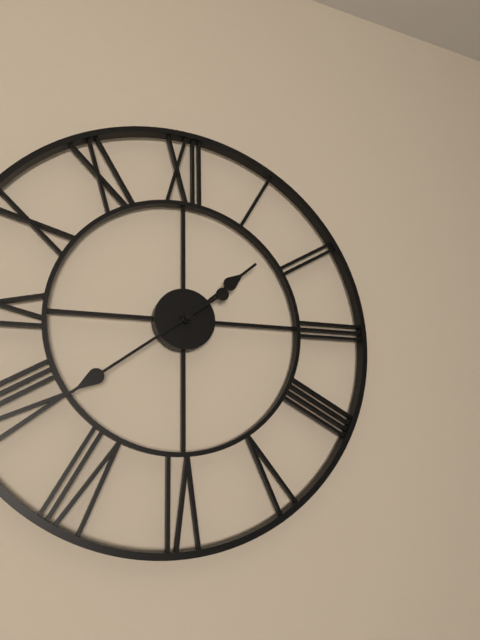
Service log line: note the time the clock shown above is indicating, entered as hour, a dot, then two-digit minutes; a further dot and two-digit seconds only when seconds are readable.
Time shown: 1.39
